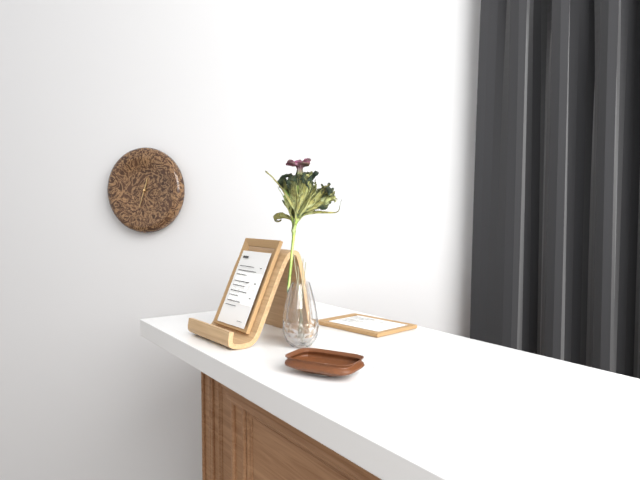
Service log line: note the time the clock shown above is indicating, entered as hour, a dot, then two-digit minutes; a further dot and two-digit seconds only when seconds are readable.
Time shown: 12.33
